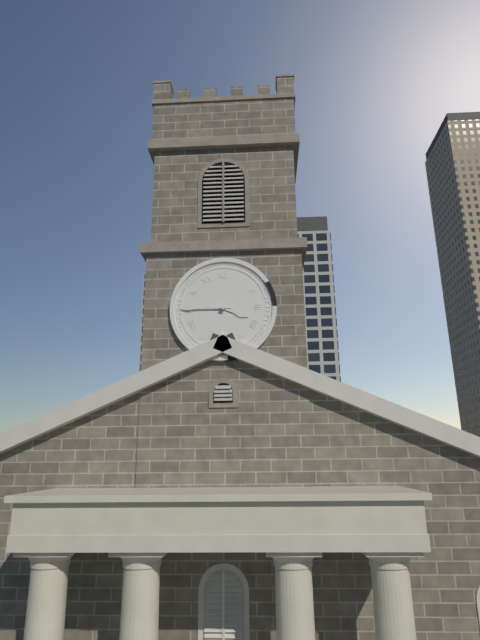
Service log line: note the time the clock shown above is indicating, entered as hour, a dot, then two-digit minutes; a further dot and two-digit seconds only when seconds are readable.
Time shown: 3.45
